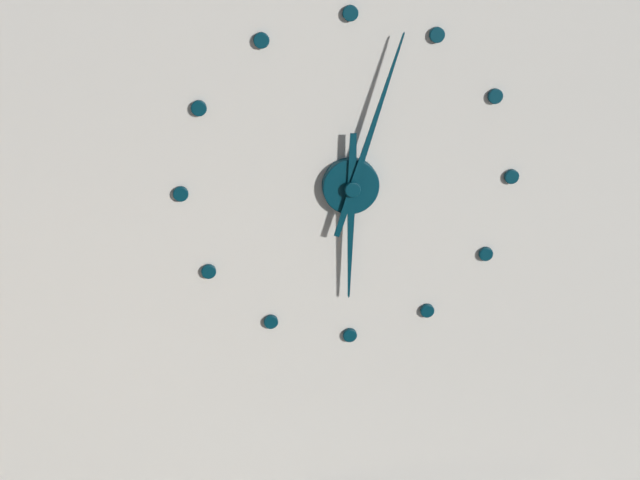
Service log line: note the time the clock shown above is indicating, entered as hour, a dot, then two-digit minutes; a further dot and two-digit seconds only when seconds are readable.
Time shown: 6.03
